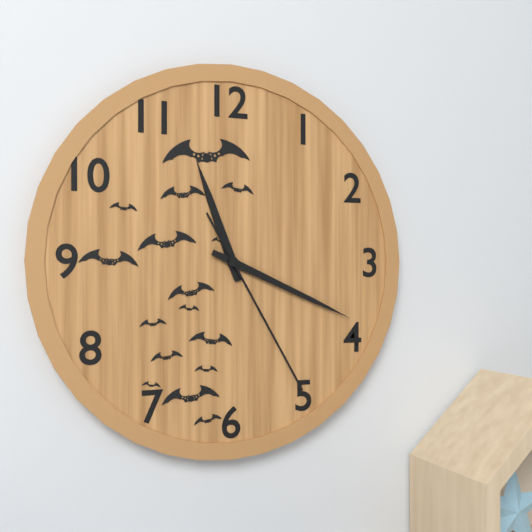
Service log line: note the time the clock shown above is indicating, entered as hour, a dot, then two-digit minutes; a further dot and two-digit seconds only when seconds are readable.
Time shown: 11.19.25
